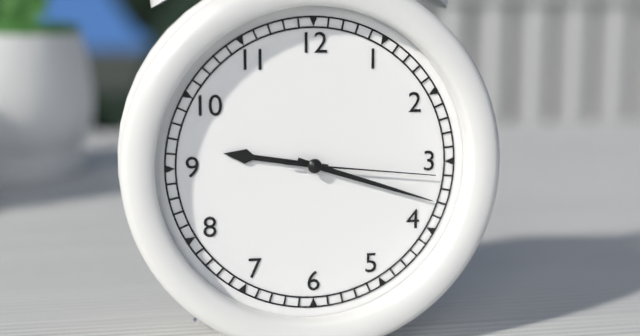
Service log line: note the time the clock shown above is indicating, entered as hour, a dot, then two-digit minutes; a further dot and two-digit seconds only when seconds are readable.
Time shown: 9.18.16
